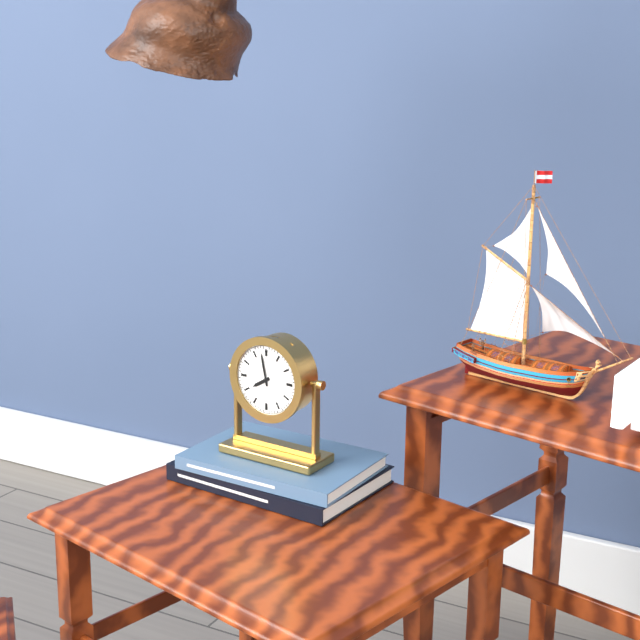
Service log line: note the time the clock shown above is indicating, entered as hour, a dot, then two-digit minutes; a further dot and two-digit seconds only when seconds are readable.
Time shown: 7.58
